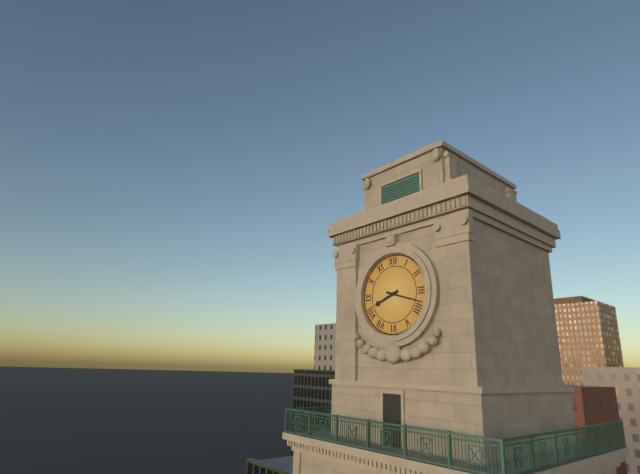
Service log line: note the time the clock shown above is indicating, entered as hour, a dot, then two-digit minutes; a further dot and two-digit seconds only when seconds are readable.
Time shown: 8.18
